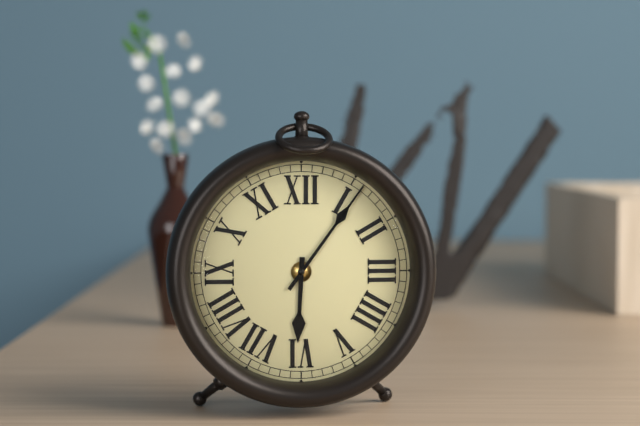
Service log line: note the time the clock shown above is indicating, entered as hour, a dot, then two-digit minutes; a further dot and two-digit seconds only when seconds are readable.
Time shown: 6.06
